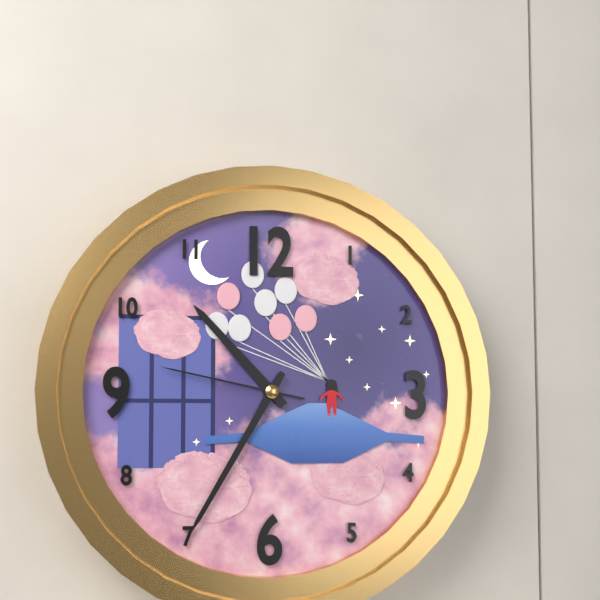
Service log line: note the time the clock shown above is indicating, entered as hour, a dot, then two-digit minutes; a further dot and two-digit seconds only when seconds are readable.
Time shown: 10.35.47
